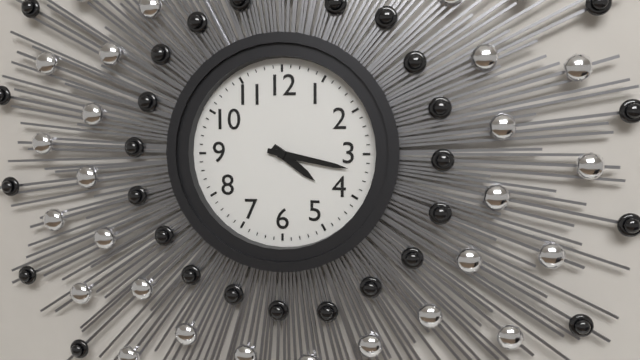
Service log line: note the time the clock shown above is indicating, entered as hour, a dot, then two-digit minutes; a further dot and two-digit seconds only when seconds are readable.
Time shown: 4.17
